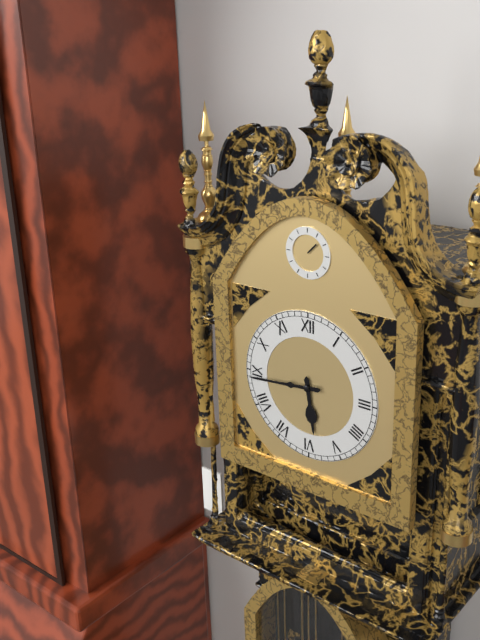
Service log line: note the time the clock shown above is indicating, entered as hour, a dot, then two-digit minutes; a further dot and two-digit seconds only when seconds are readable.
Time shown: 5.44
